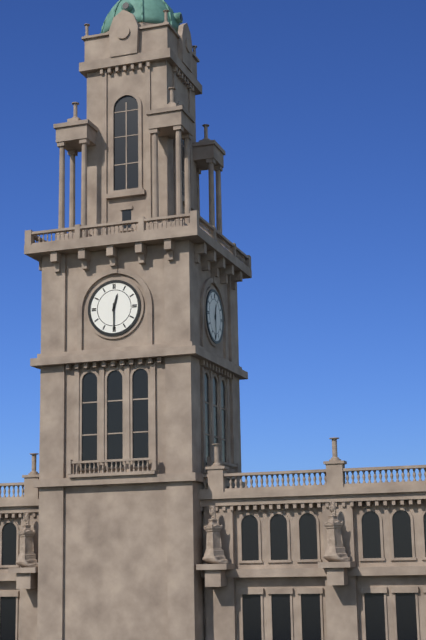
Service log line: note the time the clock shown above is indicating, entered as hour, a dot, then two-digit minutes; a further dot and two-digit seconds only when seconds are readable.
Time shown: 12.30
